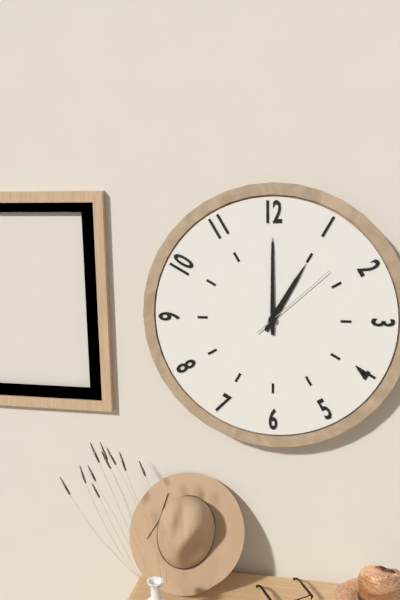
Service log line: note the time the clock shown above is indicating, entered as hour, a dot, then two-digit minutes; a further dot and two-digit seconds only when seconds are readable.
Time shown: 1.00.08
